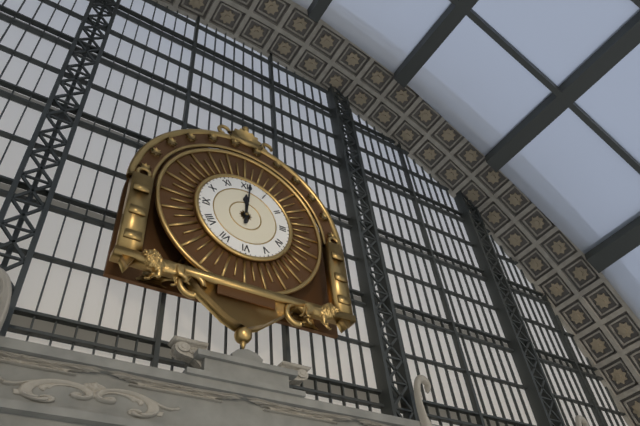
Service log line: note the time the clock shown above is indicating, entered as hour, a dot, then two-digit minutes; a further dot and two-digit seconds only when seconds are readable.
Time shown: 12.01
